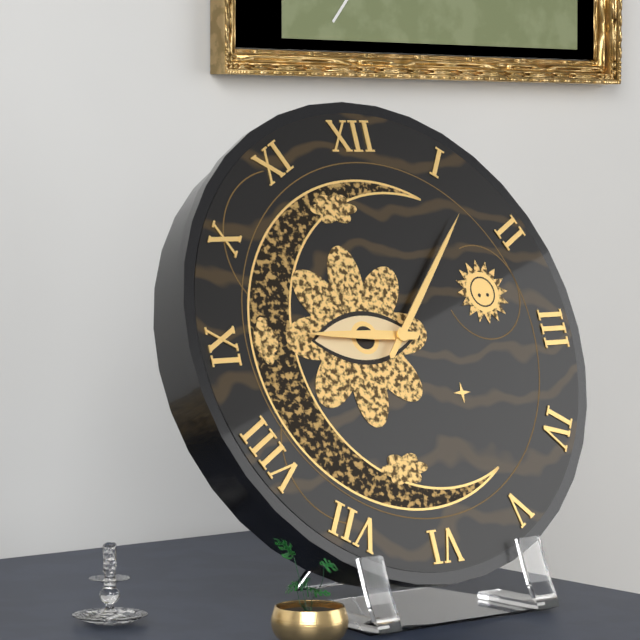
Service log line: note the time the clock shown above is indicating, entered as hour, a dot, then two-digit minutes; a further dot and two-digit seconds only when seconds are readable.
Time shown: 9.07
